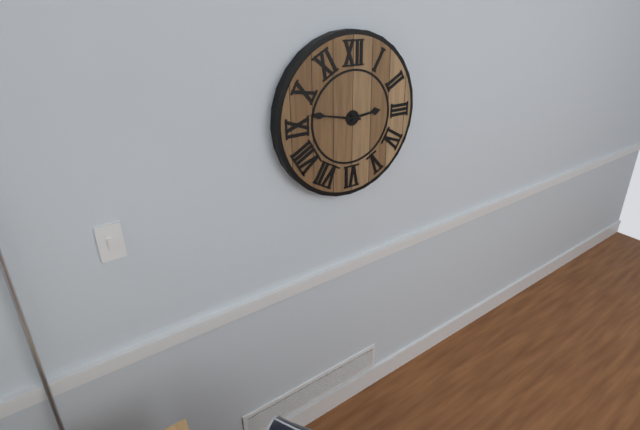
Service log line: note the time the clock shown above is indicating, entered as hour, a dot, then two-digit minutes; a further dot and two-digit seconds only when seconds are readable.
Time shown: 2.47
